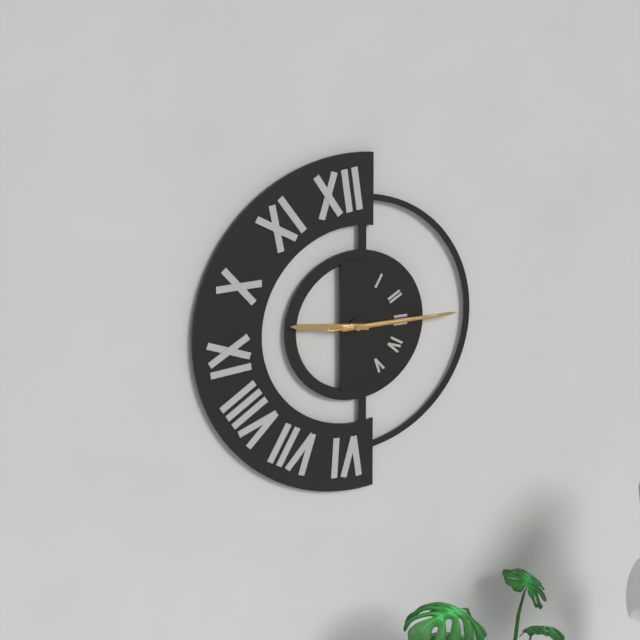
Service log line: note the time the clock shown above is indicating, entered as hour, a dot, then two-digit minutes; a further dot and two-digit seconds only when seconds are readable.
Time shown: 9.15.15
